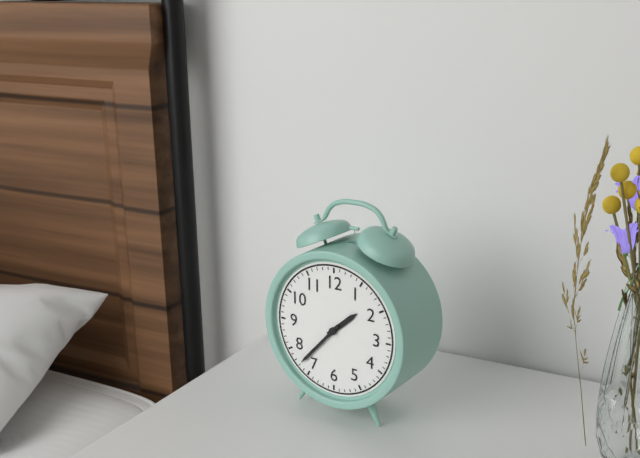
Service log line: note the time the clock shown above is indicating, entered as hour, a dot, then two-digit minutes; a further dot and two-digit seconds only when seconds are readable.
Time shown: 1.37
